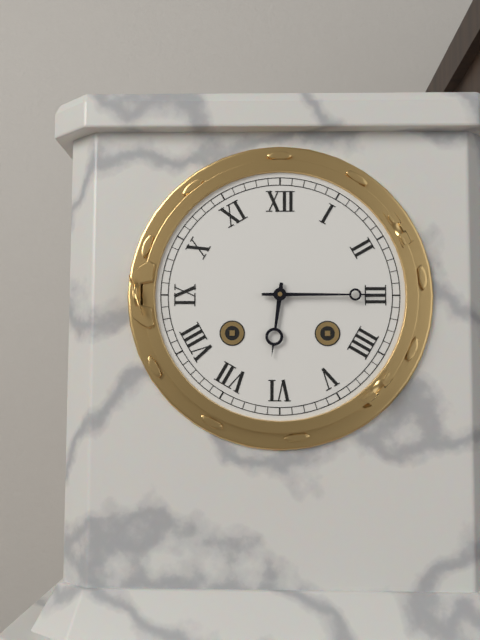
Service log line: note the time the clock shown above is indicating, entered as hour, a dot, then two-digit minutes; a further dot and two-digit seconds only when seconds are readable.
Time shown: 6.15
